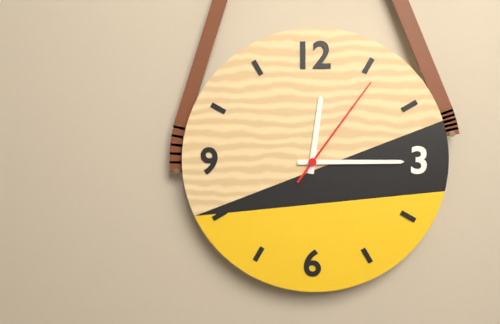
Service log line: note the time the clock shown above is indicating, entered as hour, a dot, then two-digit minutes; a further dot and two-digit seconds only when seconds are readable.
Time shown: 12.15.06
